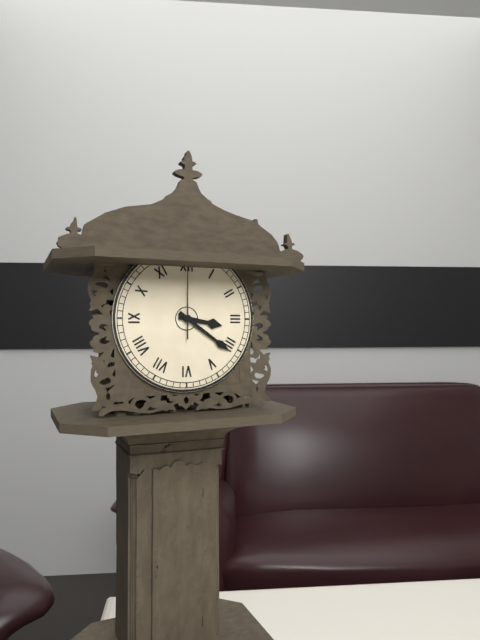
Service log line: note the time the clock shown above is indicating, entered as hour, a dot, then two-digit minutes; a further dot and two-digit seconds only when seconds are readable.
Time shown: 3.21.00
